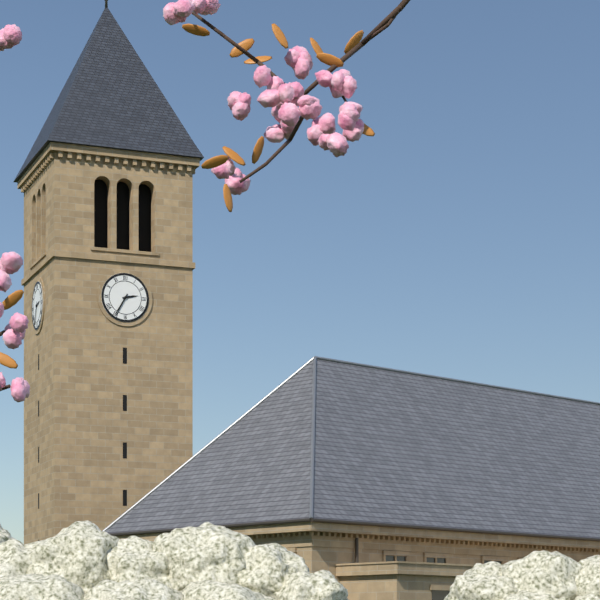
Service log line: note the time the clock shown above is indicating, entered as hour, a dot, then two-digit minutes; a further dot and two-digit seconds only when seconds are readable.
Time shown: 2.35
